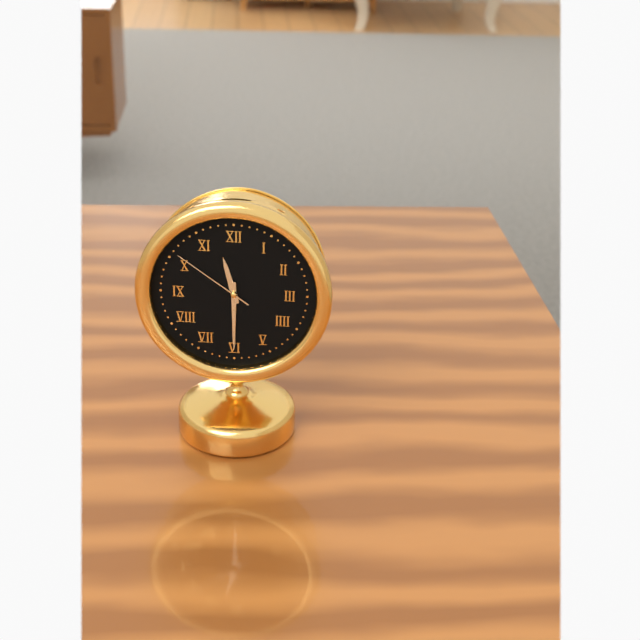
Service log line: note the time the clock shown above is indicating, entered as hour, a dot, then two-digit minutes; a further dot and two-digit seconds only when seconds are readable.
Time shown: 11.30.51
